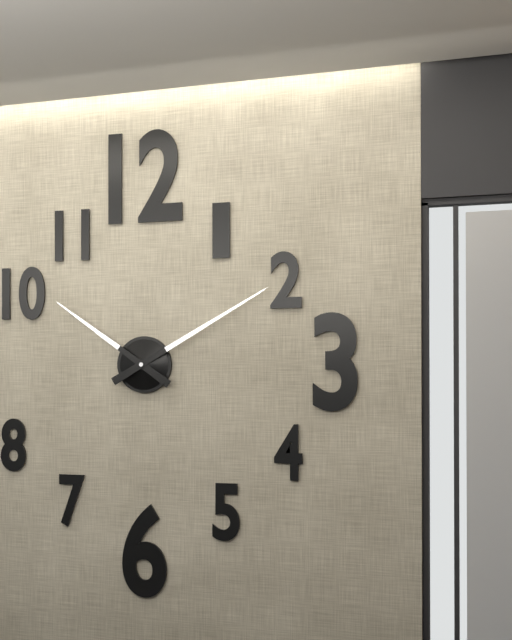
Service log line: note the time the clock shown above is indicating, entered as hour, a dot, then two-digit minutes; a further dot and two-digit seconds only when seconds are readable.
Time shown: 10.10
